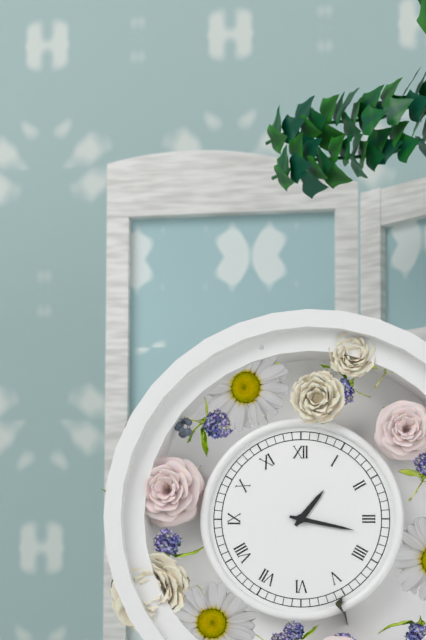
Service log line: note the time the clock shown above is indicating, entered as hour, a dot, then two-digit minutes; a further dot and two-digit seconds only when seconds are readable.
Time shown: 1.17
